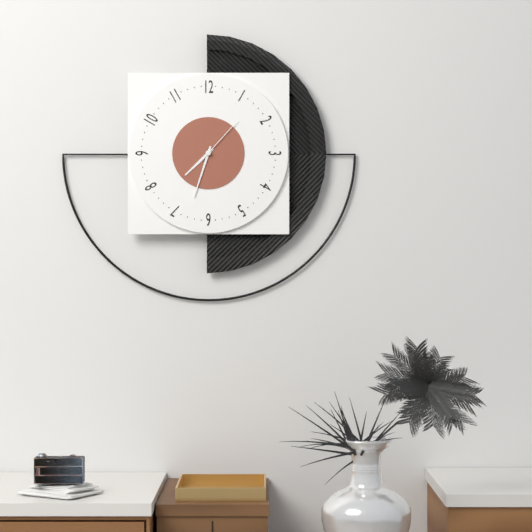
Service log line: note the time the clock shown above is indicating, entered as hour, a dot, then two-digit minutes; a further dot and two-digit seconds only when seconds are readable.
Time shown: 7.33.07
